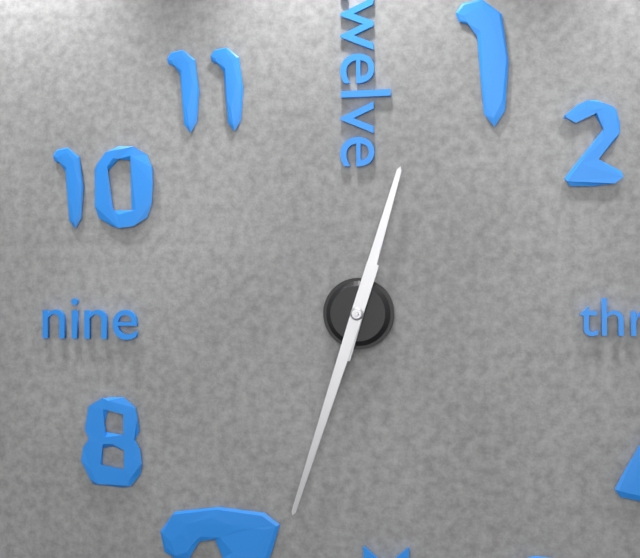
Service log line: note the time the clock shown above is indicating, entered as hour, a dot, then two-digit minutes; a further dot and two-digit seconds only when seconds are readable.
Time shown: 12.33
